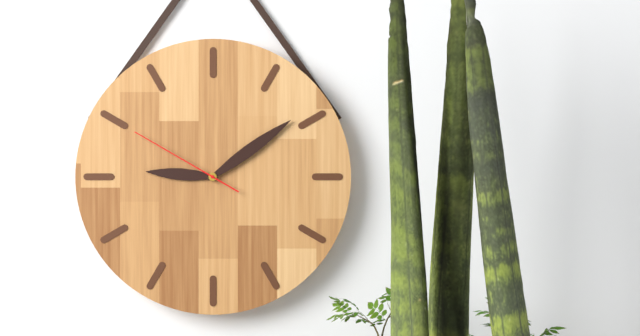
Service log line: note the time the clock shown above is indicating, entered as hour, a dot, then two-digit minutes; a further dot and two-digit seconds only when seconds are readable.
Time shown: 9.09.50
